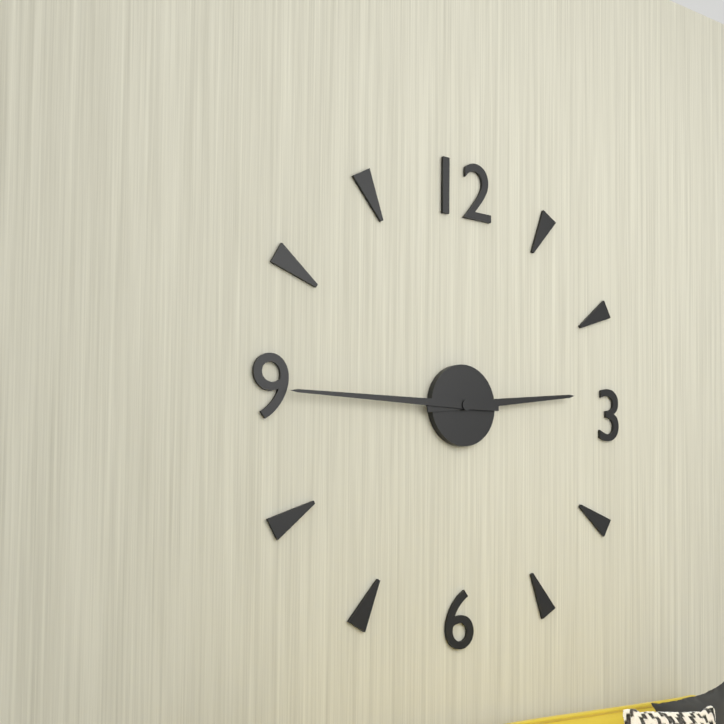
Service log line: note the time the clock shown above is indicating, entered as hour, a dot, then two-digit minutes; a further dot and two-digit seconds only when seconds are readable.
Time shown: 2.45
